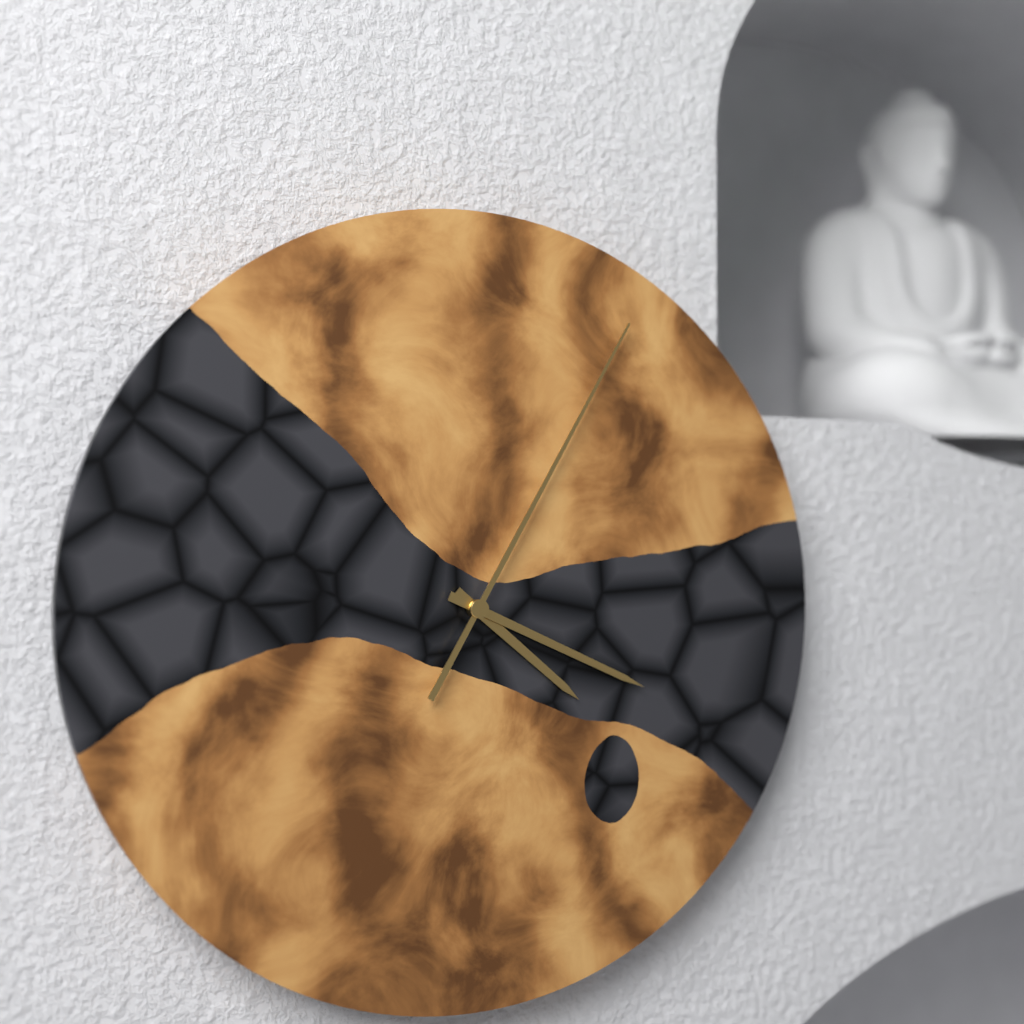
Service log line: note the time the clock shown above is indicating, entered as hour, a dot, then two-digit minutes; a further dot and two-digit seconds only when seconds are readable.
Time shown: 4.19.05
